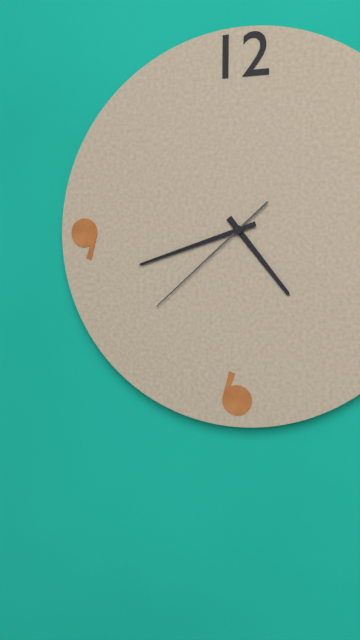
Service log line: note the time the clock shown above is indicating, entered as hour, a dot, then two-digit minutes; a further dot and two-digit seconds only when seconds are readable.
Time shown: 4.42.38
